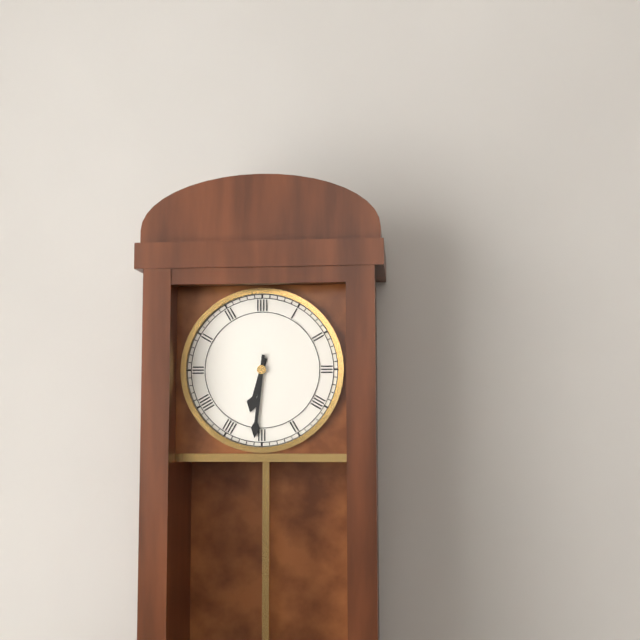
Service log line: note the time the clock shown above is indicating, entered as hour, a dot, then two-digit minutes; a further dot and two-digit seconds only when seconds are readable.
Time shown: 6.31
